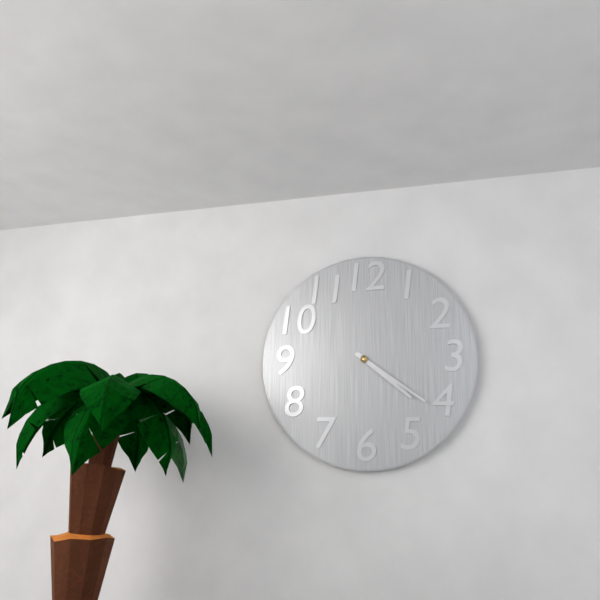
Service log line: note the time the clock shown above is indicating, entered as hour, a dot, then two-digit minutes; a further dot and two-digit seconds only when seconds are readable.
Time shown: 4.21
